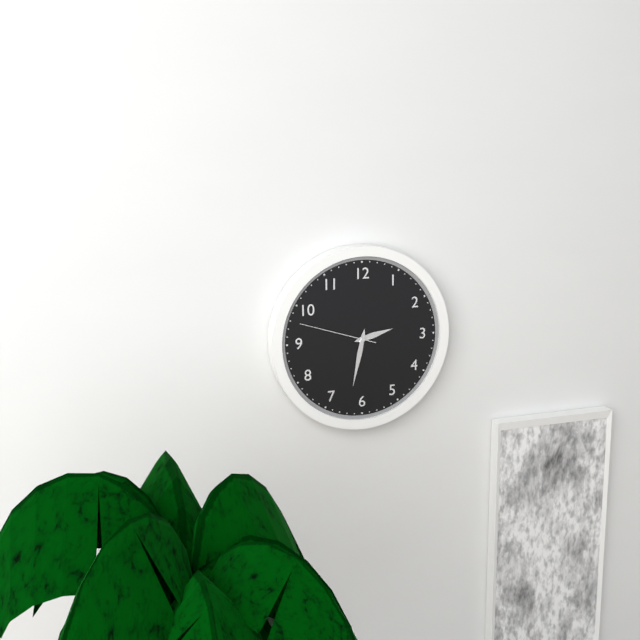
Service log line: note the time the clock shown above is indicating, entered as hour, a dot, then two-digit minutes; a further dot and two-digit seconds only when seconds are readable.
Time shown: 2.32.48
